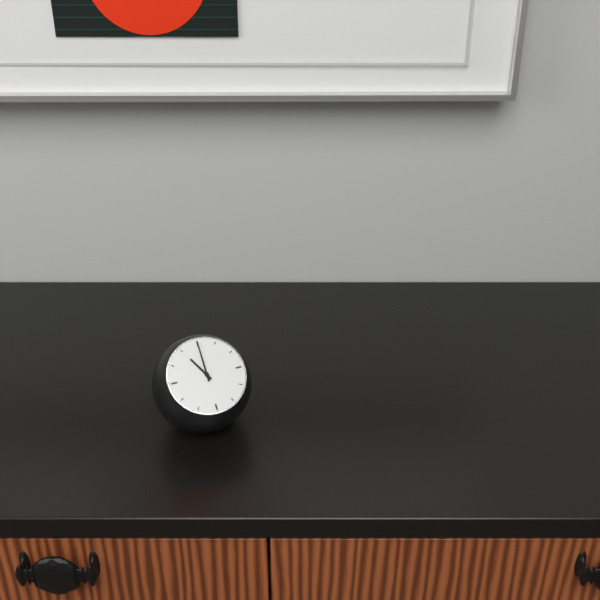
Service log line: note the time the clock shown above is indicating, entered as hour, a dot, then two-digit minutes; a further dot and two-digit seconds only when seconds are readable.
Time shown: 11.00
